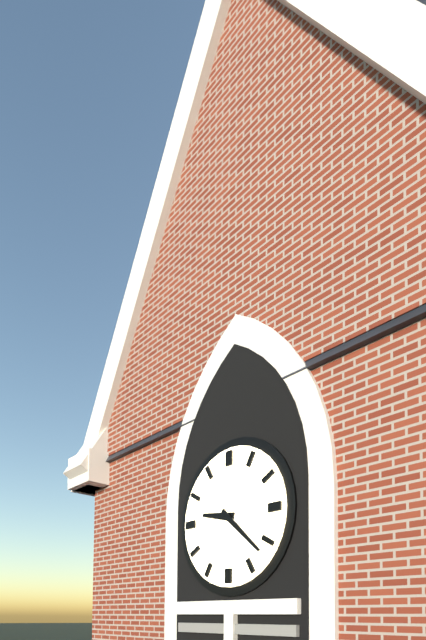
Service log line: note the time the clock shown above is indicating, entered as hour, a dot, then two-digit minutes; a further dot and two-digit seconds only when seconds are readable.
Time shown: 9.22
